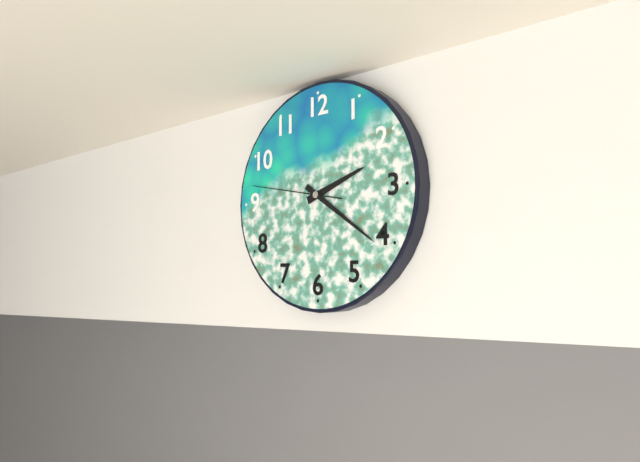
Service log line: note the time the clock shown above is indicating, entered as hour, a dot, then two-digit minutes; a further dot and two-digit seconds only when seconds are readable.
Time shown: 2.21.47
